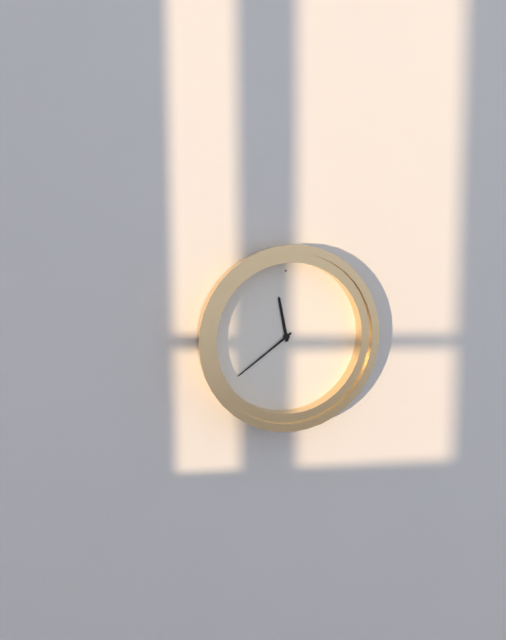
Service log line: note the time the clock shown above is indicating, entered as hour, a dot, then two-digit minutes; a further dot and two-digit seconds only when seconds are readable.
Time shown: 11.39
